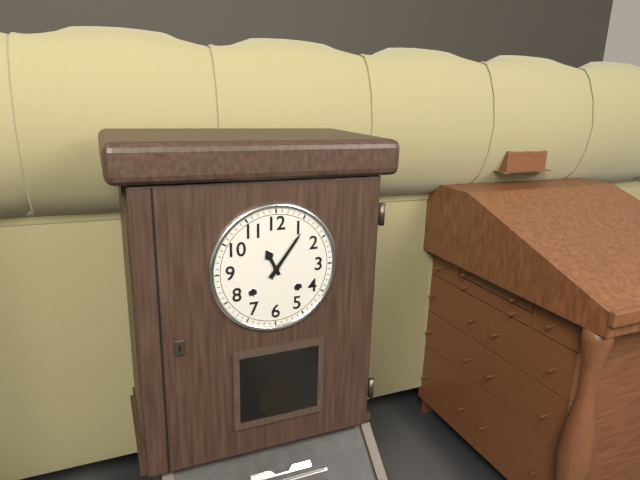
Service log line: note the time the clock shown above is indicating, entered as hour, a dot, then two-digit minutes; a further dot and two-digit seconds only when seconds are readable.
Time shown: 11.06
